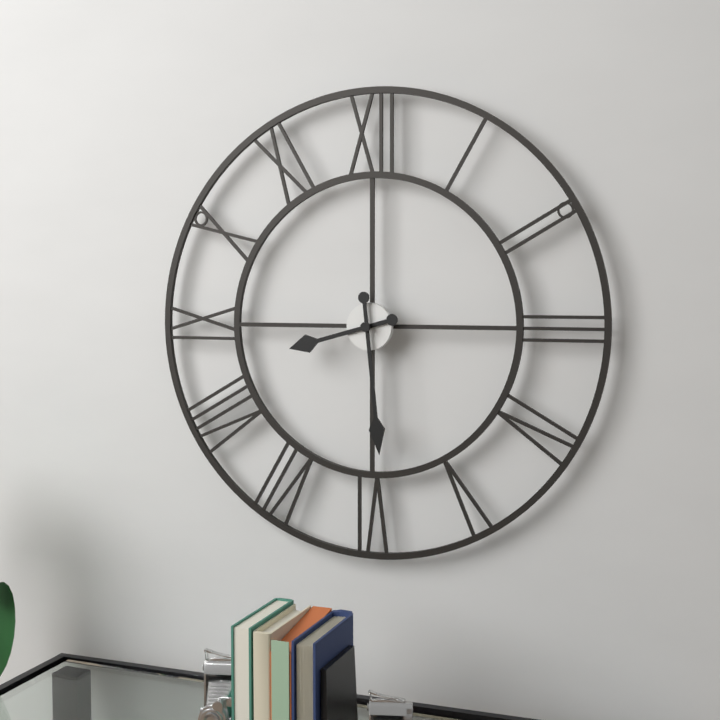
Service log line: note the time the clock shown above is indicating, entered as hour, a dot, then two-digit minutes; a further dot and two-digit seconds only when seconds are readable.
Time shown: 8.29
